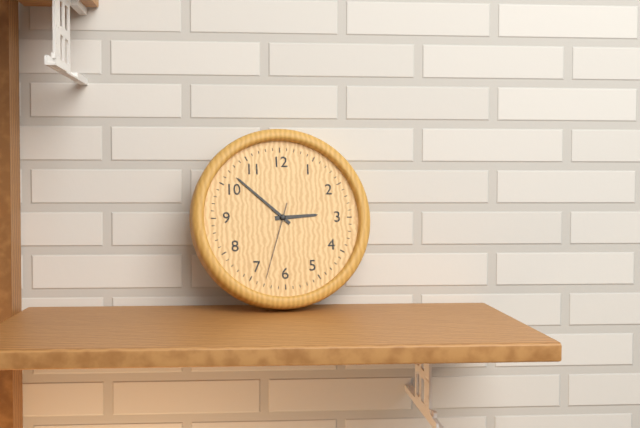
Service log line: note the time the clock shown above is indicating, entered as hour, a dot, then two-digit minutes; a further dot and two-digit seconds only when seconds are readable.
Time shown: 2.52.33
